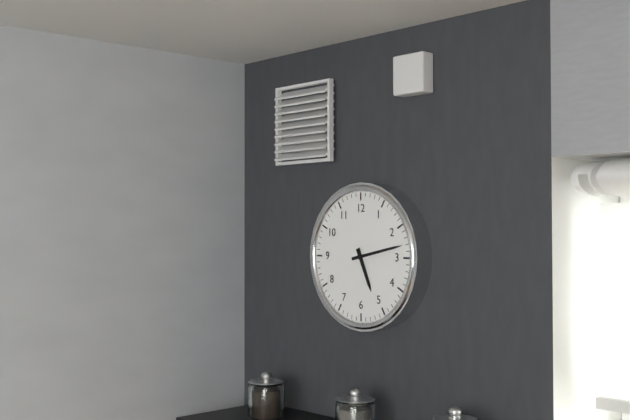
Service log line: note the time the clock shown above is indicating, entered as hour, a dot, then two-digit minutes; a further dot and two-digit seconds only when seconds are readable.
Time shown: 5.13
